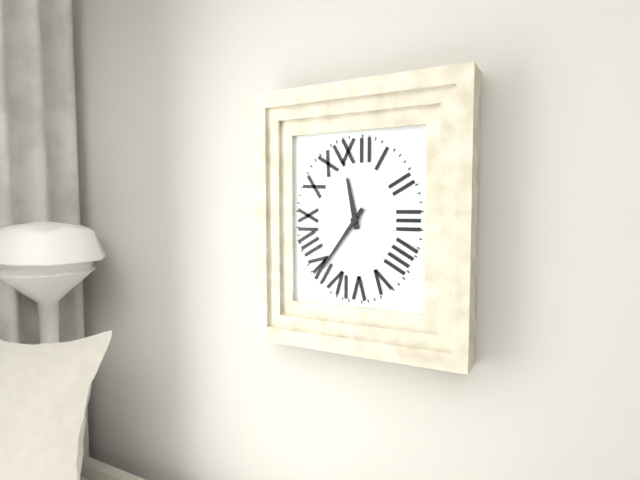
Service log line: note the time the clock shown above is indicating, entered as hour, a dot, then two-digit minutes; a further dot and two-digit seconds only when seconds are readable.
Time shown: 11.36
